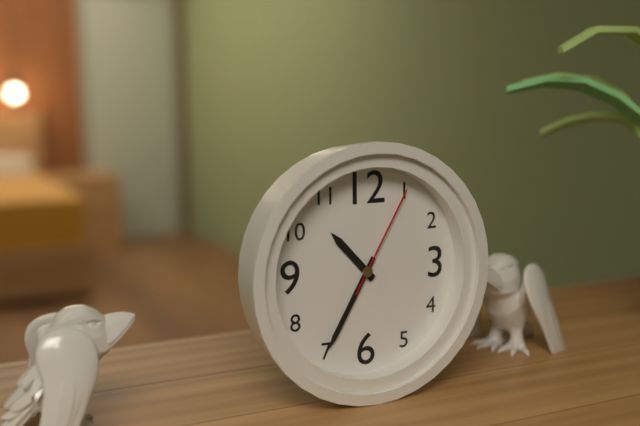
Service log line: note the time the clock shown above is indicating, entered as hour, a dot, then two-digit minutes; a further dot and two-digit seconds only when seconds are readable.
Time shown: 10.35.05
